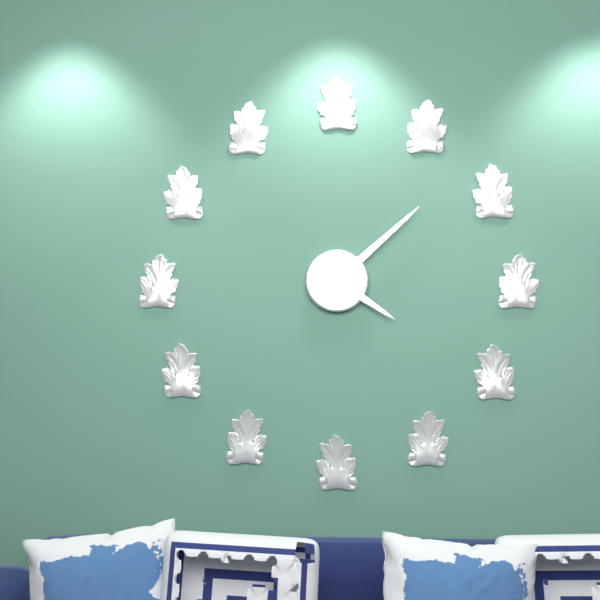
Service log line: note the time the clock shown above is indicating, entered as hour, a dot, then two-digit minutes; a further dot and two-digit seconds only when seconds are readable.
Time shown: 4.08
